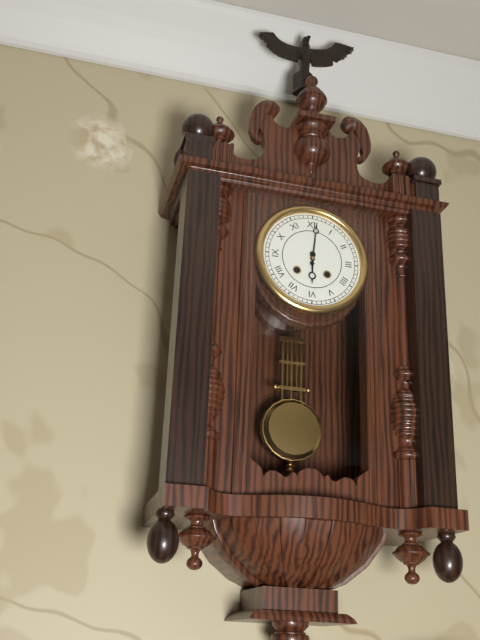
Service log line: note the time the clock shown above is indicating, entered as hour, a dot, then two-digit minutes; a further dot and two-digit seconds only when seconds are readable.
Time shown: 6.01
